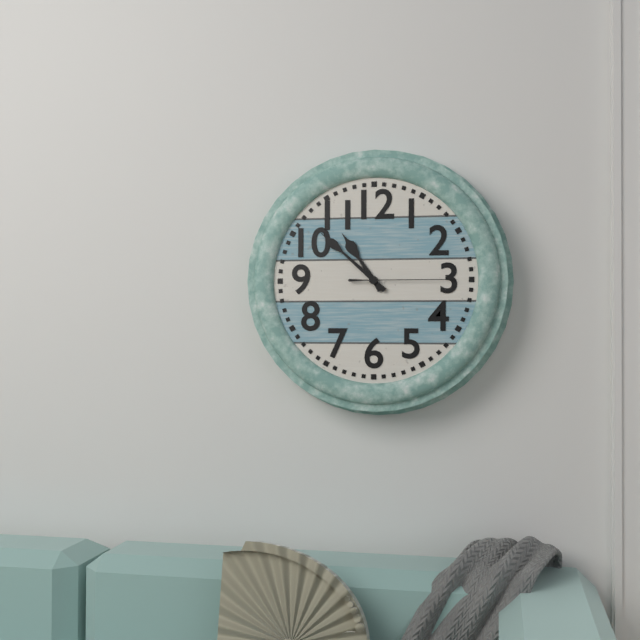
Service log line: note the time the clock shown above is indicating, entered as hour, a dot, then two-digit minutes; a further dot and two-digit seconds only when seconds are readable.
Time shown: 10.52.15
